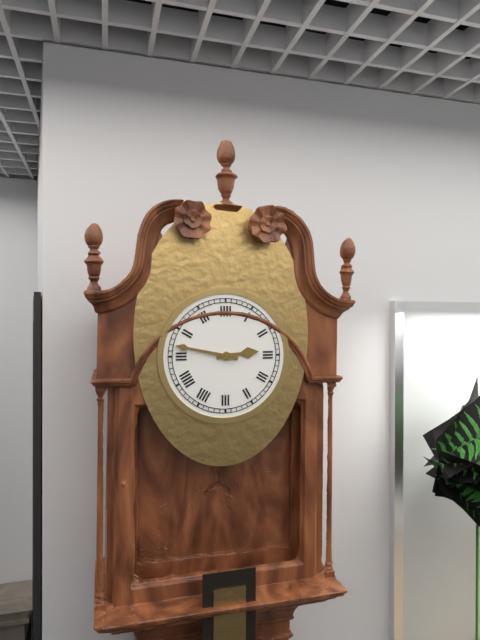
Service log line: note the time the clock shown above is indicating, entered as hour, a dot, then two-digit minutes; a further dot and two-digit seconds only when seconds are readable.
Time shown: 2.47
